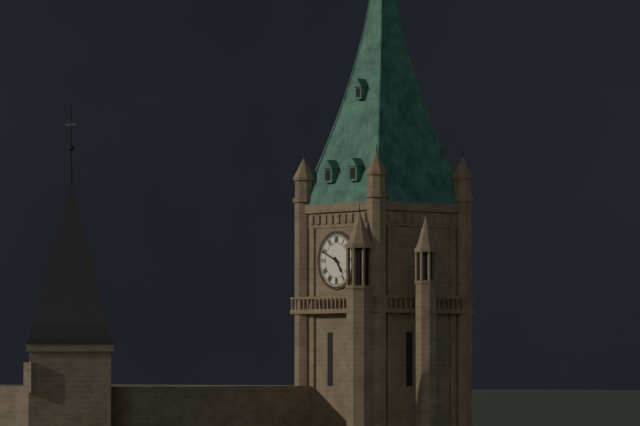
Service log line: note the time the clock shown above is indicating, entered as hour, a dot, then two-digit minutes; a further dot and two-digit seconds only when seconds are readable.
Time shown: 4.49
